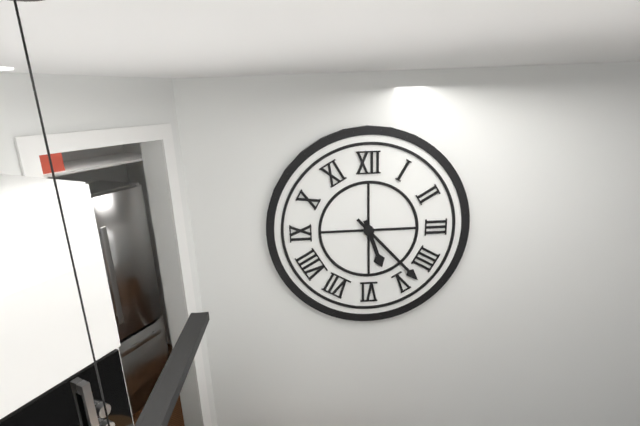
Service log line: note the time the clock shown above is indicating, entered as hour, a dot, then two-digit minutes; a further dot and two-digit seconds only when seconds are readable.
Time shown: 5.23
